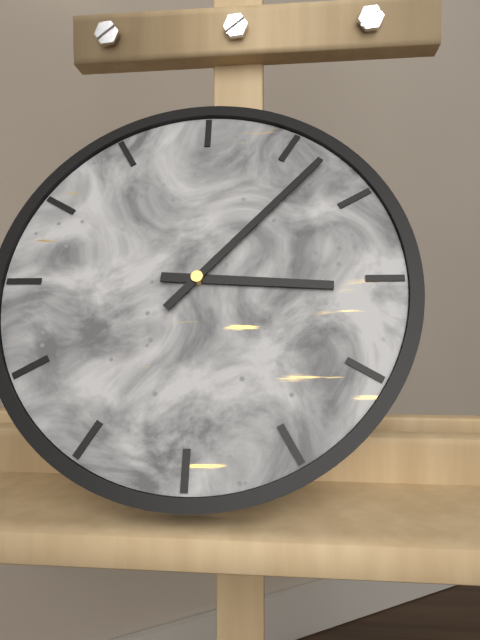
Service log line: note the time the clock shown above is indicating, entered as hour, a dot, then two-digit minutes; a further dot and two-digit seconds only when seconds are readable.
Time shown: 3.07
